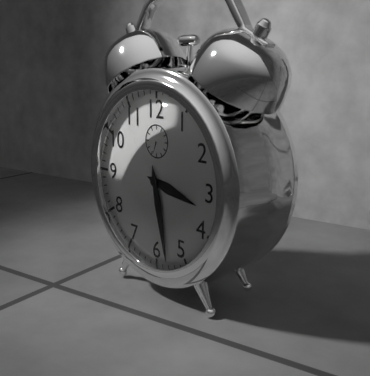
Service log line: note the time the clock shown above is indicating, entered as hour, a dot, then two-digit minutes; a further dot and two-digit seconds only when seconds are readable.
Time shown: 3.28
